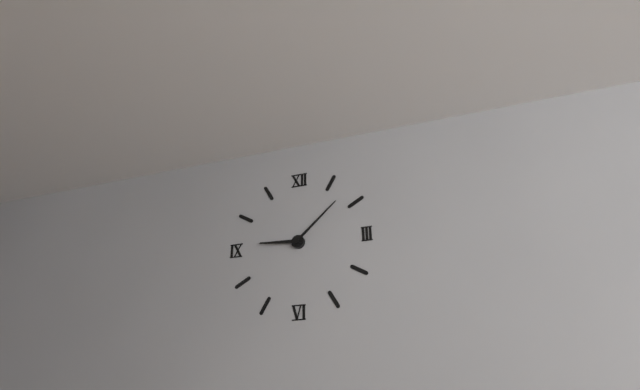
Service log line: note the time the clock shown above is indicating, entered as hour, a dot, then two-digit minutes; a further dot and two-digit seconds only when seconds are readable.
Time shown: 9.08
